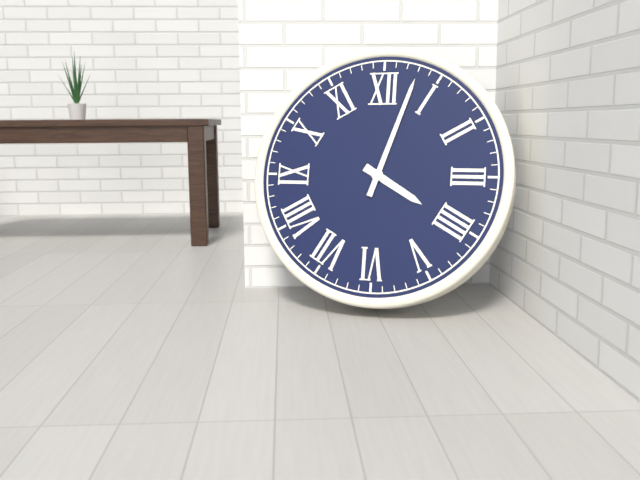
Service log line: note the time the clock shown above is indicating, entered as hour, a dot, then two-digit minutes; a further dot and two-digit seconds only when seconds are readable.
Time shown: 4.03
